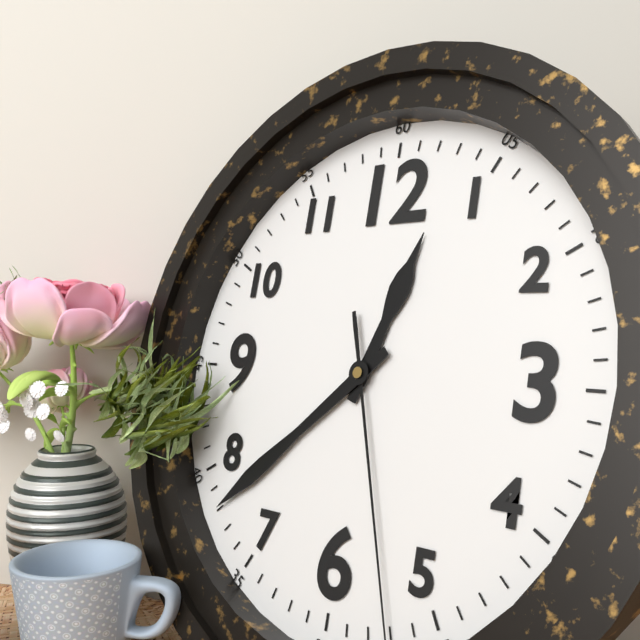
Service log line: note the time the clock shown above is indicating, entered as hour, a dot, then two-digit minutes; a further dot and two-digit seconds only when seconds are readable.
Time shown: 12.38
